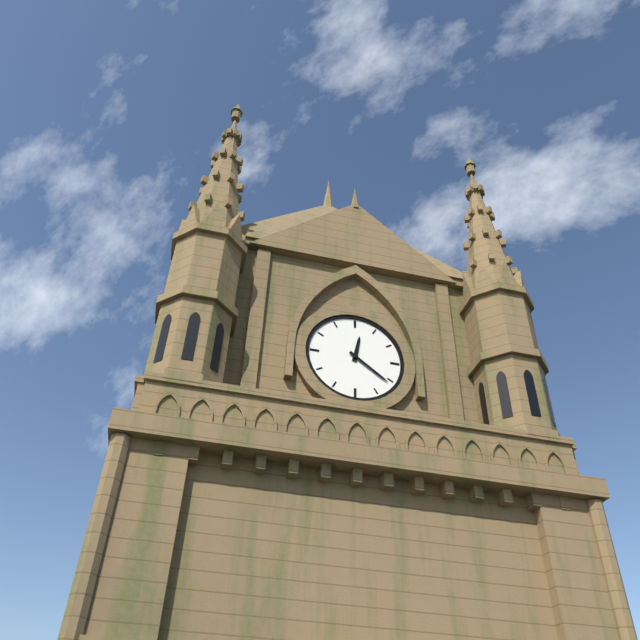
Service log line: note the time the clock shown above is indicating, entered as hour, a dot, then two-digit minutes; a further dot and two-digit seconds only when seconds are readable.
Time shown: 12.21
